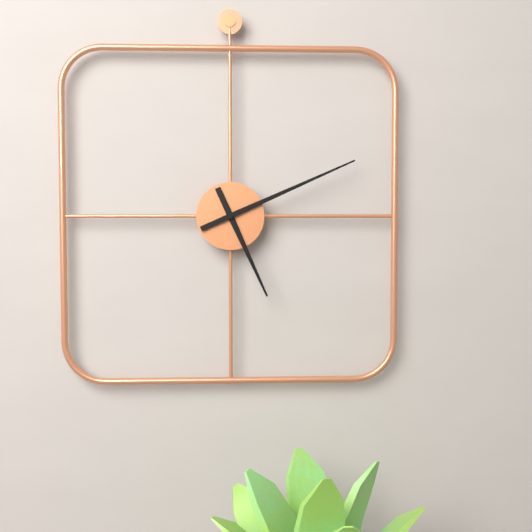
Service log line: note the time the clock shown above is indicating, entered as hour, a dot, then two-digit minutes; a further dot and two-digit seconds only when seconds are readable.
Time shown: 5.11
